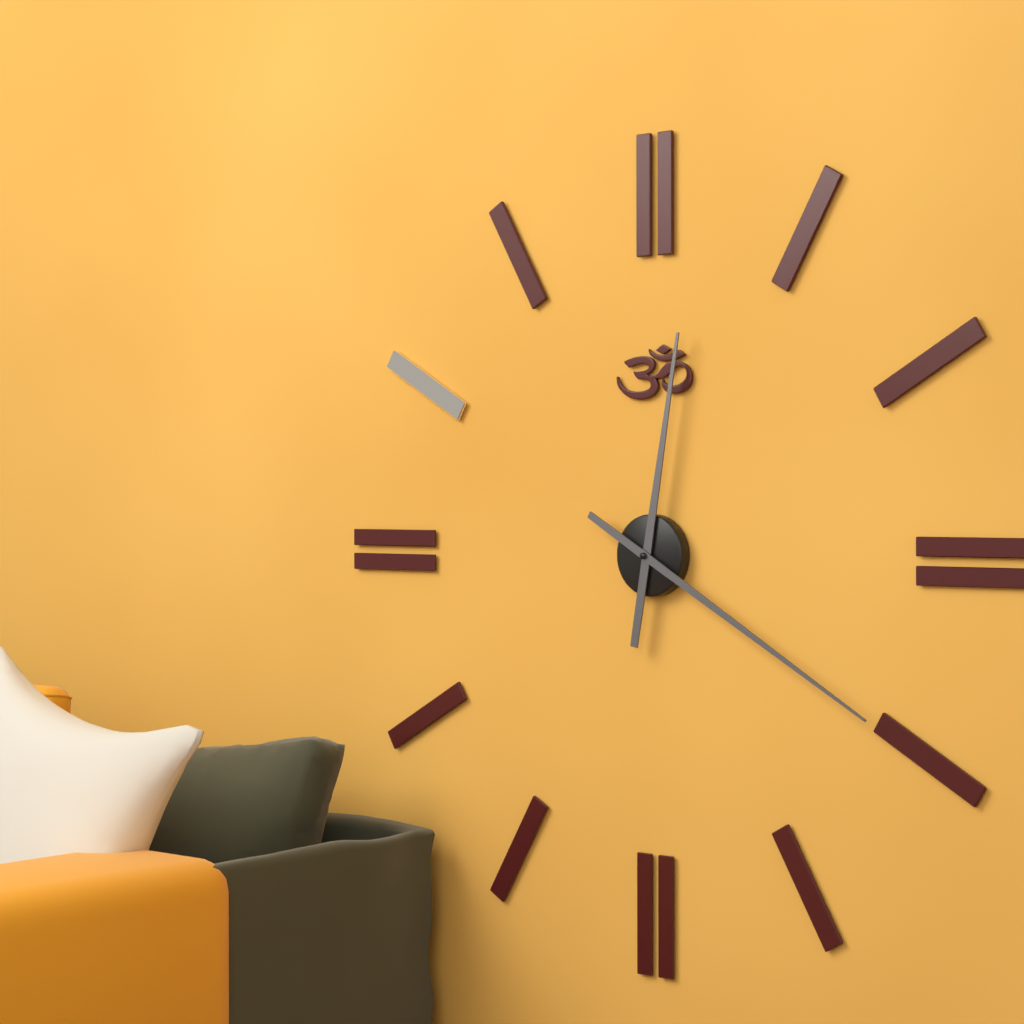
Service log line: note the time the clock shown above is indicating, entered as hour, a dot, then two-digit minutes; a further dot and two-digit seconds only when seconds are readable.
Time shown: 12.20
